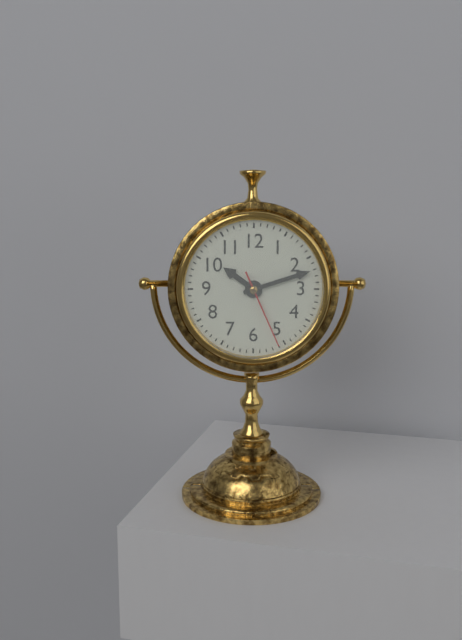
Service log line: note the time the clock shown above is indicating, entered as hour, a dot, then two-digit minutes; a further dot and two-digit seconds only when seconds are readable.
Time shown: 10.12.26
